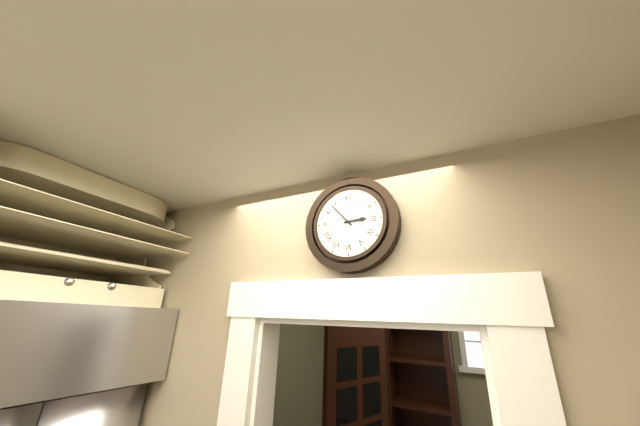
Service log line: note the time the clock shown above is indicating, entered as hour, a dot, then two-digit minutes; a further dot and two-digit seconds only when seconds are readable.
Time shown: 2.53
